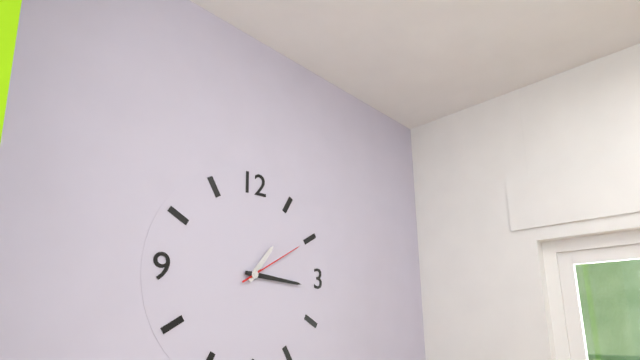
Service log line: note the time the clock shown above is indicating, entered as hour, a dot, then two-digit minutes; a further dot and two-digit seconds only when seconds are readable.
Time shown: 1.16.10
